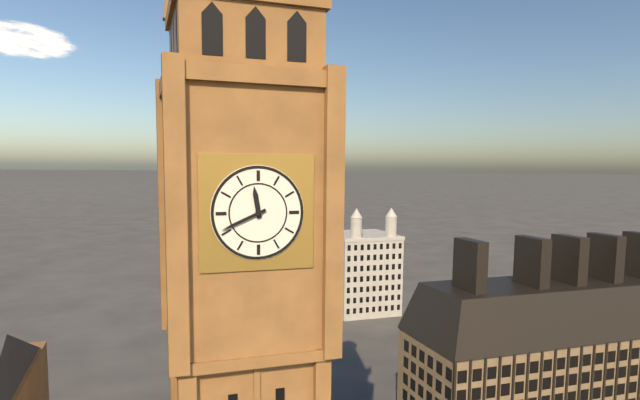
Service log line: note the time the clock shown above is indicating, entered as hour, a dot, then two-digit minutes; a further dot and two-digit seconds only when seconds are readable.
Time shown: 11.41
